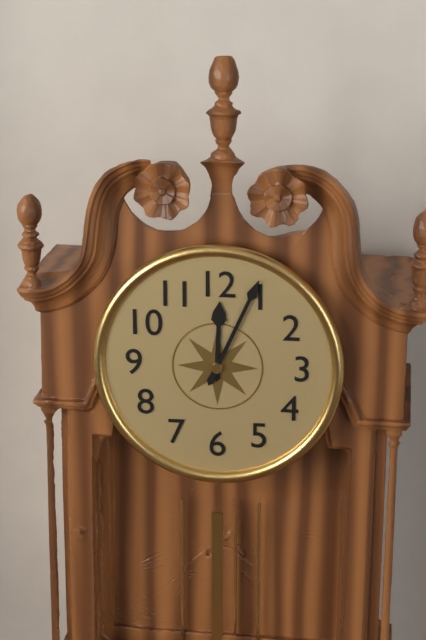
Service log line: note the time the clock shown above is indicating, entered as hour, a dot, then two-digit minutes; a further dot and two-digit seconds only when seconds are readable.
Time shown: 12.04
